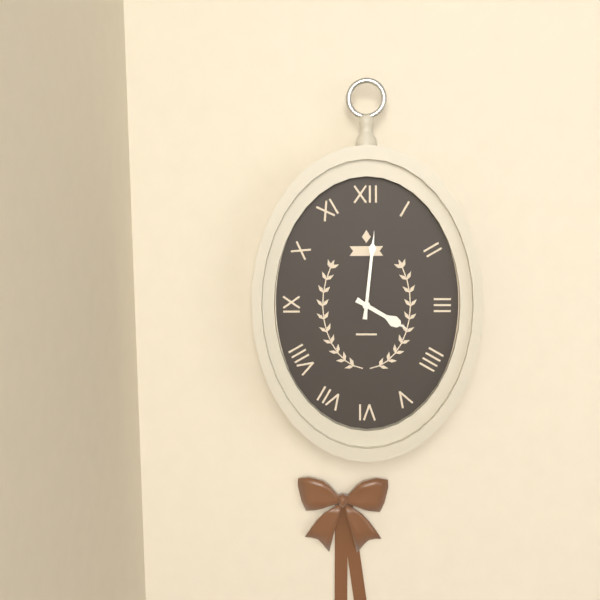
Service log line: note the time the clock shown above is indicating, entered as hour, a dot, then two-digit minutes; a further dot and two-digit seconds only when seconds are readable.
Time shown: 4.01
